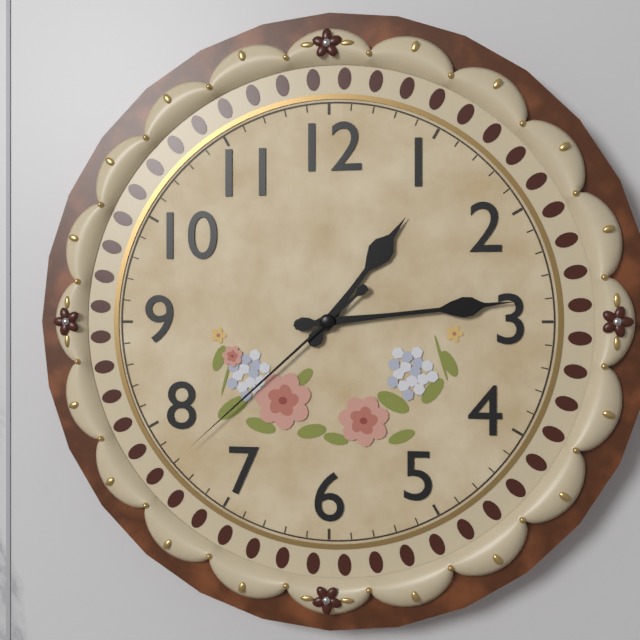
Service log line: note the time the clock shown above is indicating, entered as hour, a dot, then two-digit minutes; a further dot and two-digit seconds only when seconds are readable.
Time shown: 1.14.38
